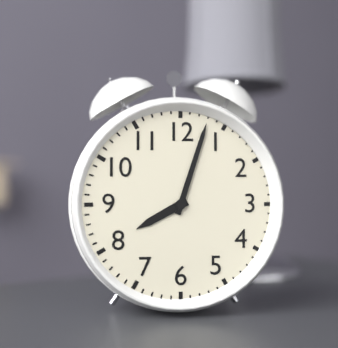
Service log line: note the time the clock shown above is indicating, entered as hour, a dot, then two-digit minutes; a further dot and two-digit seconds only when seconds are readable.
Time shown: 8.03
